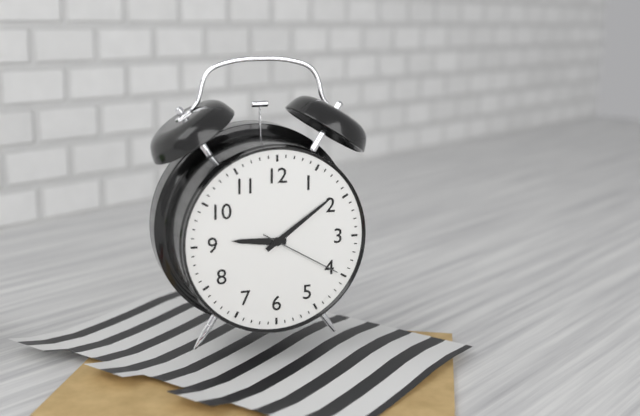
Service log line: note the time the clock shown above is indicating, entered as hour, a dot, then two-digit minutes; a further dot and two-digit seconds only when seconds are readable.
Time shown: 9.09.20
